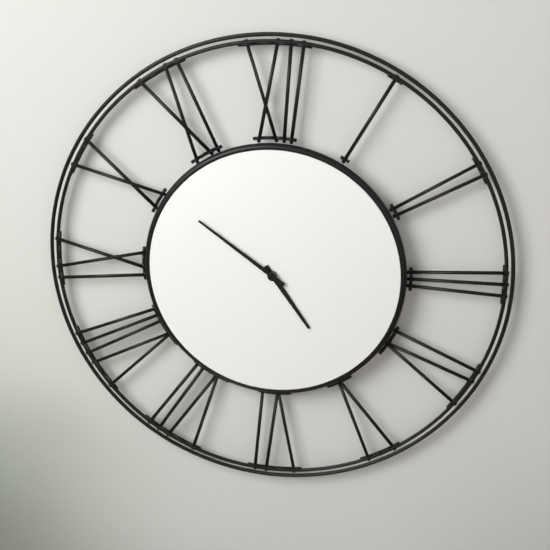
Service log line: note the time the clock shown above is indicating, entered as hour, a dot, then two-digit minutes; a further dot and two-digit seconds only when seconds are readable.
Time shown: 4.51
